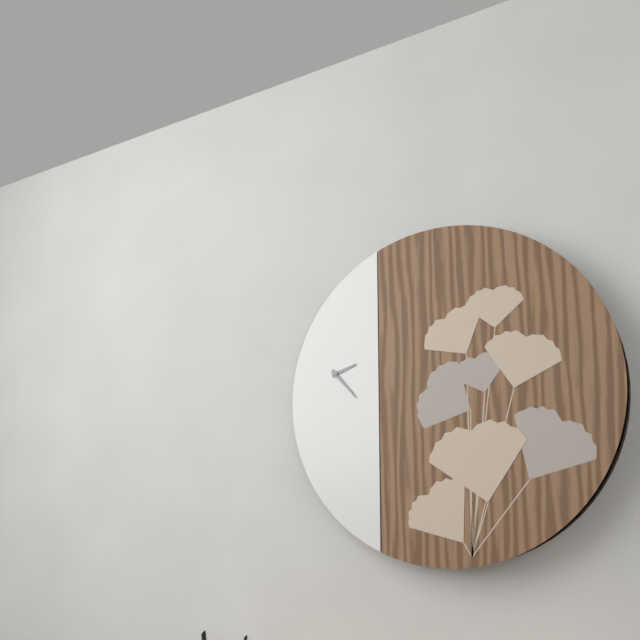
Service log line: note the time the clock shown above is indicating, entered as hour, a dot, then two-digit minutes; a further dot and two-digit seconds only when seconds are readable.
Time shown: 2.23
